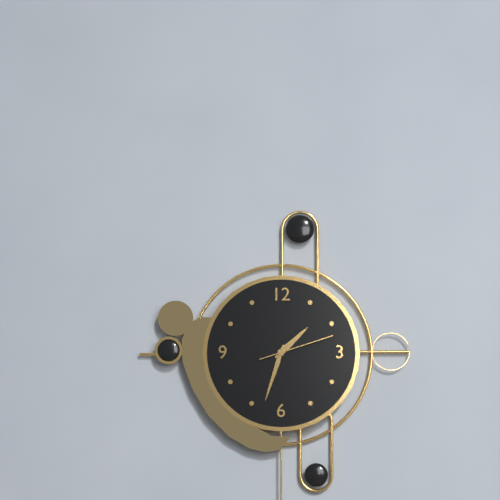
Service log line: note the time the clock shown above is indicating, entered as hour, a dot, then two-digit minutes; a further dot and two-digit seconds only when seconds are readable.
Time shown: 1.33.12
